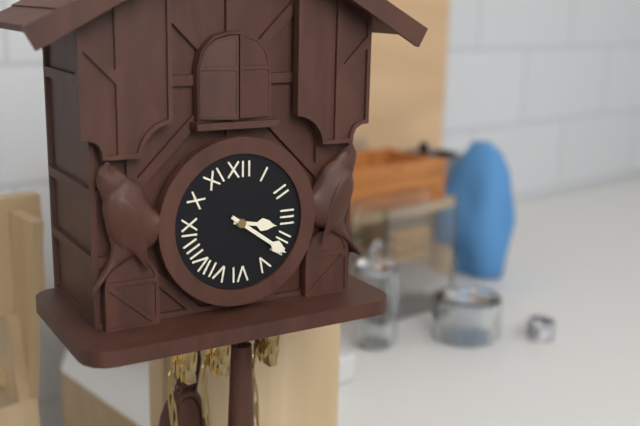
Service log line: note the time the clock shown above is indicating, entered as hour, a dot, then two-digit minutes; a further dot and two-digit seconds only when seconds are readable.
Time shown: 3.21
